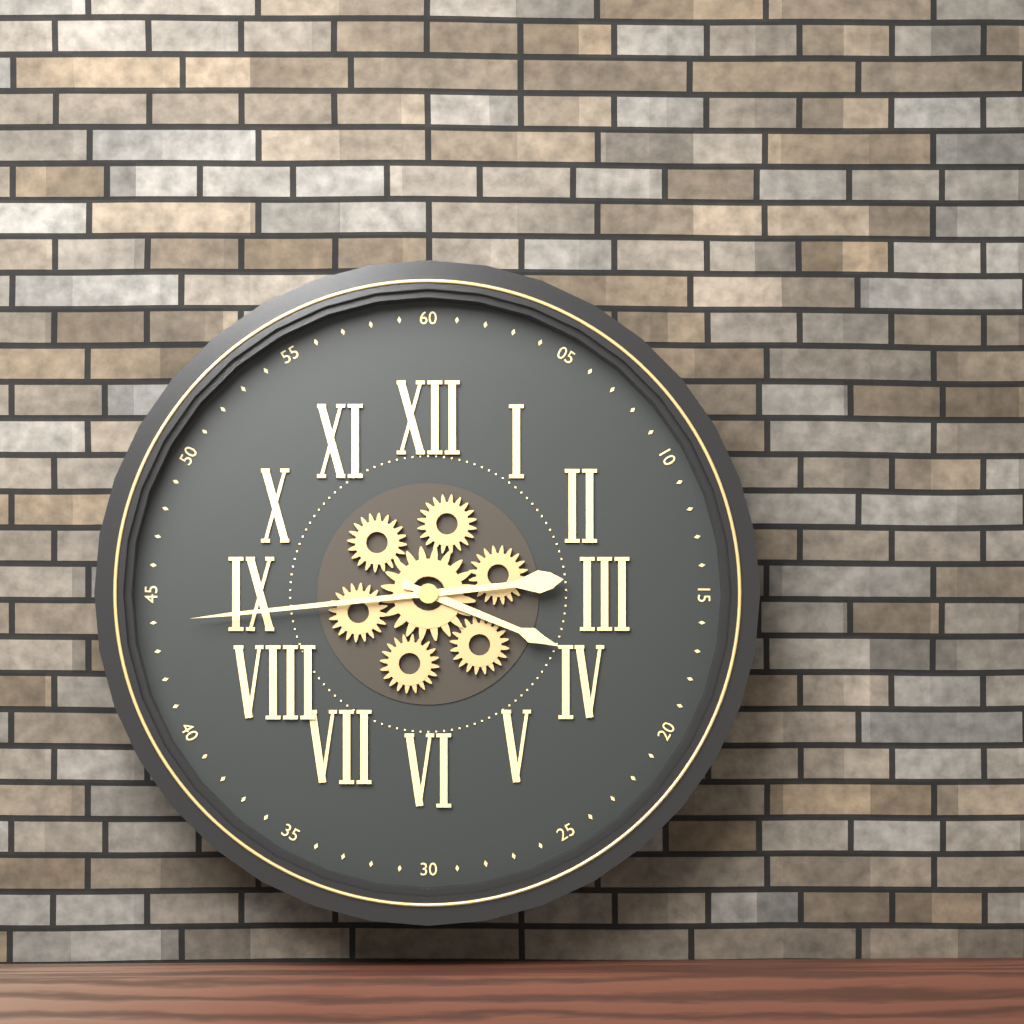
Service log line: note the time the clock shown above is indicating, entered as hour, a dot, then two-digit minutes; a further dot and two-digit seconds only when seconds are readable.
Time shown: 3.44
